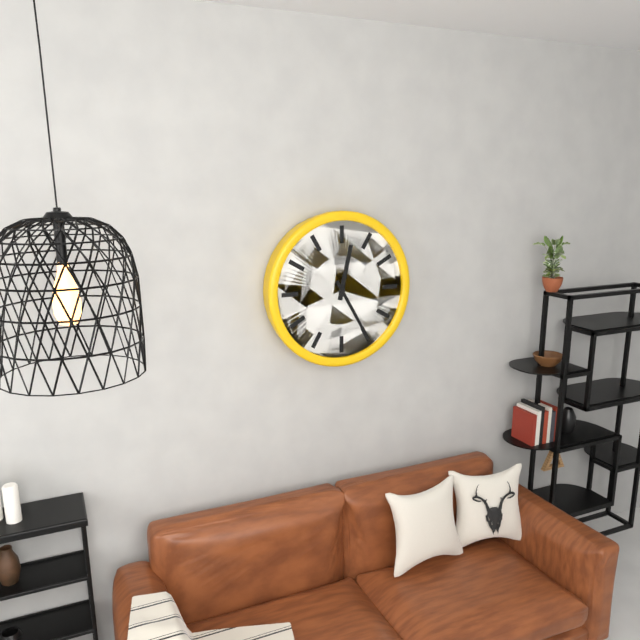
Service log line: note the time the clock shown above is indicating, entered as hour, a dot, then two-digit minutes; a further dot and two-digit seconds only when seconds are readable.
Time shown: 12.25
